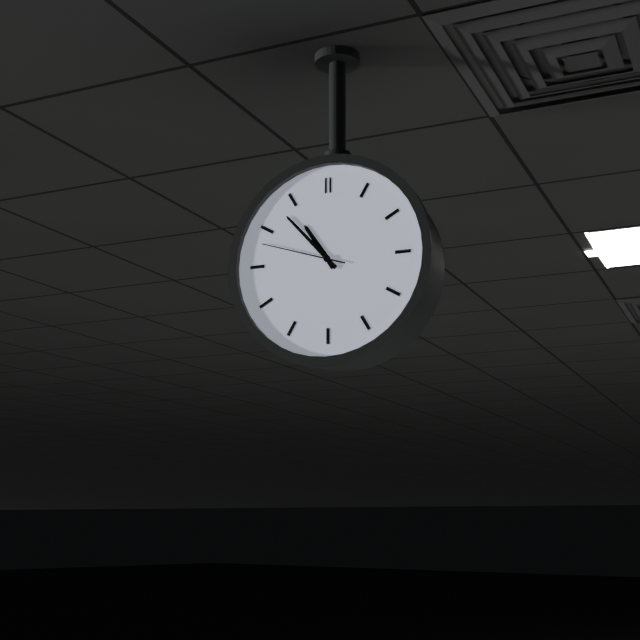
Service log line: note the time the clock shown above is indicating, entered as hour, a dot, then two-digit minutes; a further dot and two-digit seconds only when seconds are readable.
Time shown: 10.53.48
